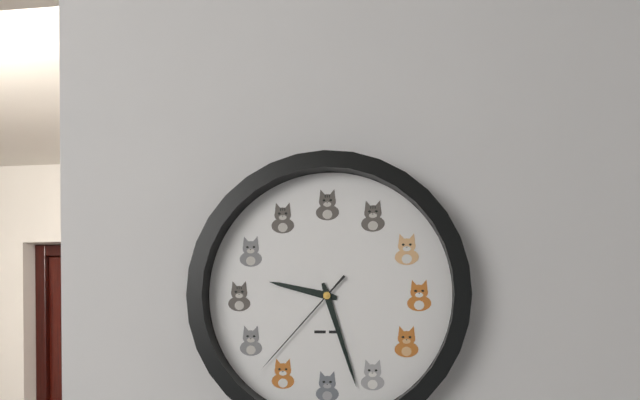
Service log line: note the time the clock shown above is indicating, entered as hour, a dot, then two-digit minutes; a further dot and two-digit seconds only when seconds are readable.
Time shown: 9.27.37
